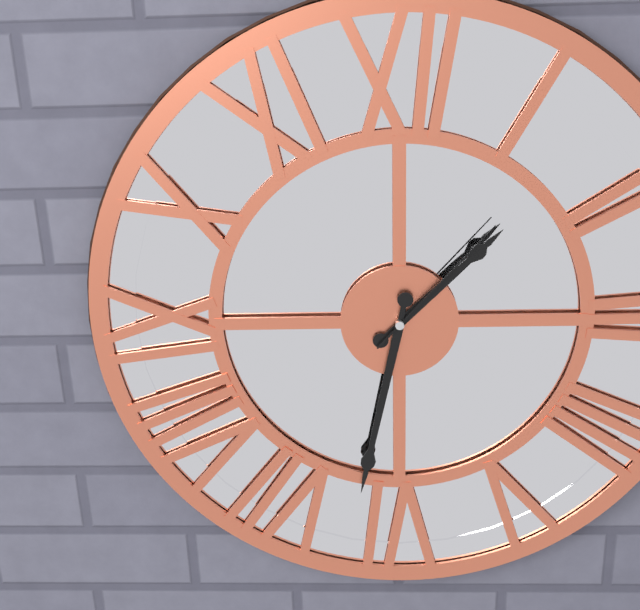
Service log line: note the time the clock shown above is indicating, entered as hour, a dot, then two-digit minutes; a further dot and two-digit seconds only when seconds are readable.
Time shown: 1.32.07
